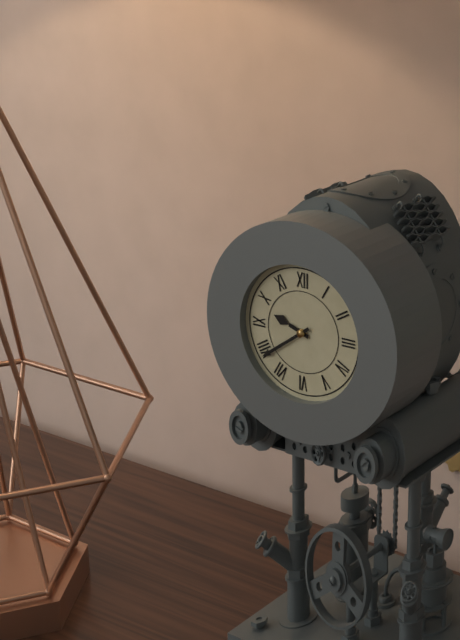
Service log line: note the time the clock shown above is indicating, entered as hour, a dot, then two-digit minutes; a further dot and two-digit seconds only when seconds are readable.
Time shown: 9.39
